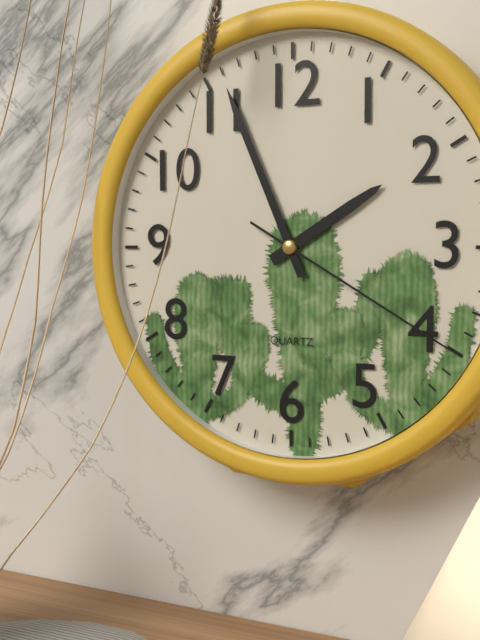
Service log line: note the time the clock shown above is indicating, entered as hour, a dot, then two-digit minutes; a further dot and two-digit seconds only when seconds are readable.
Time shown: 1.56.20
